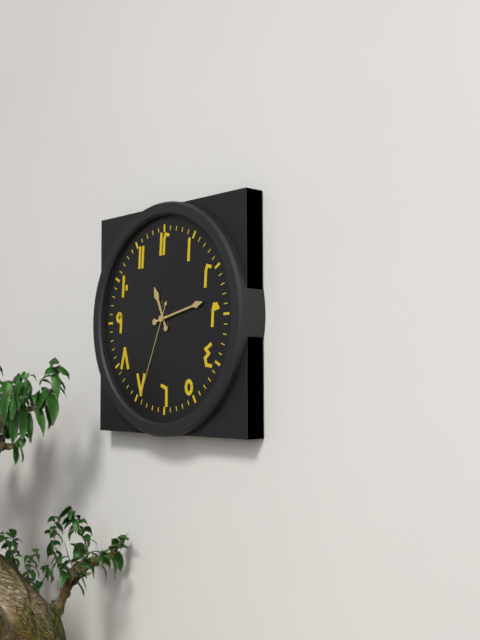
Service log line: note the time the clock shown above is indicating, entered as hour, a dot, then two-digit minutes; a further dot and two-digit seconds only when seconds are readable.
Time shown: 11.13.34
